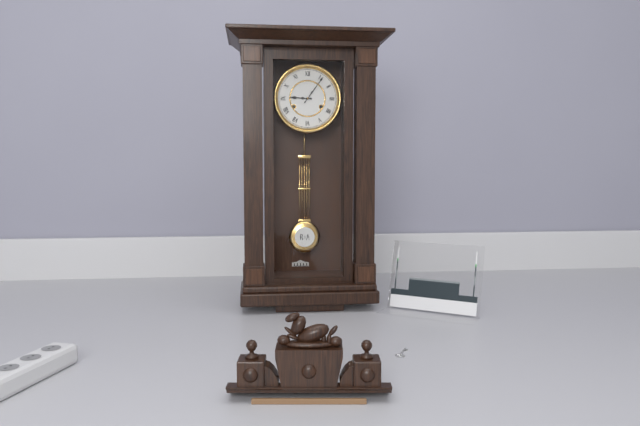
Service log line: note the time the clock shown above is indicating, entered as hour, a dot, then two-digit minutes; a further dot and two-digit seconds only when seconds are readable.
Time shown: 9.06
